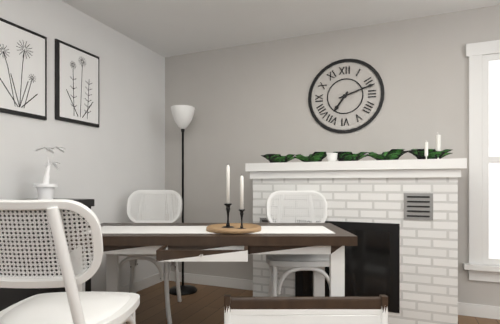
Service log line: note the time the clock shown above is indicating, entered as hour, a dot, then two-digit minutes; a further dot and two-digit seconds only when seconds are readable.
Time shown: 7.12
